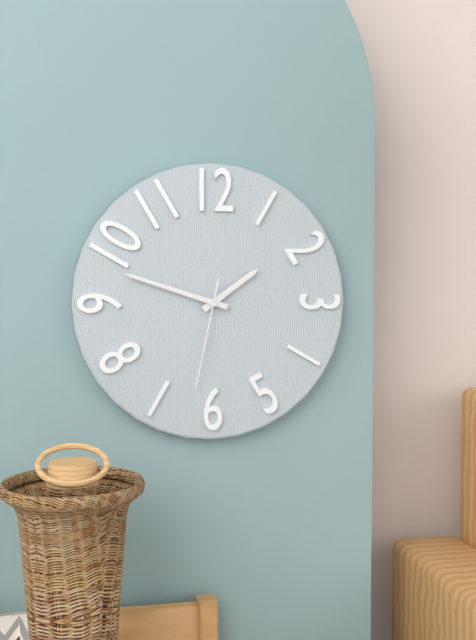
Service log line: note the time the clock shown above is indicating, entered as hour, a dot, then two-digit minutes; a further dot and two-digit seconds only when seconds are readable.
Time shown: 1.48.32
